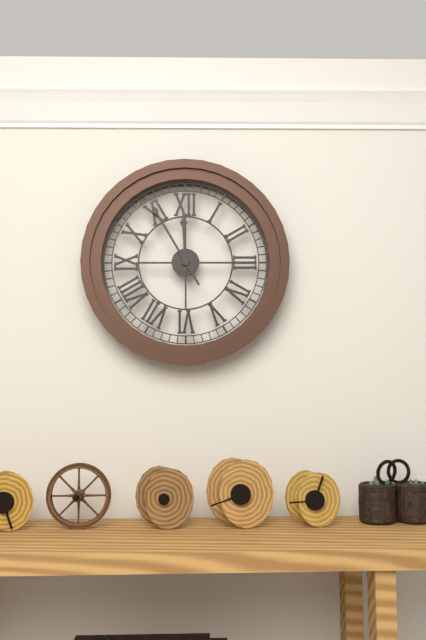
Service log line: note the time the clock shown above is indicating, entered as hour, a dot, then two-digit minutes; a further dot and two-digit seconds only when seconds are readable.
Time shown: 11.55
